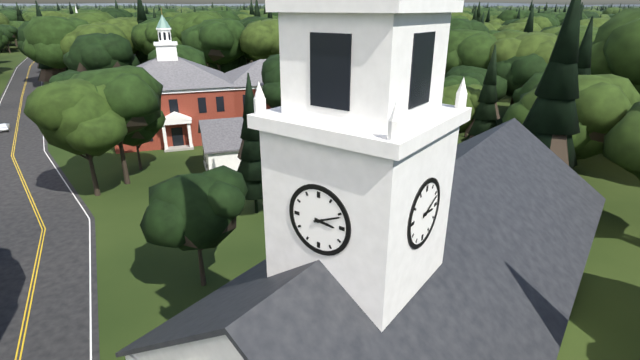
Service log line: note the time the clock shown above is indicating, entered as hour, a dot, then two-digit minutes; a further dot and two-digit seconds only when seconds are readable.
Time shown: 3.11
